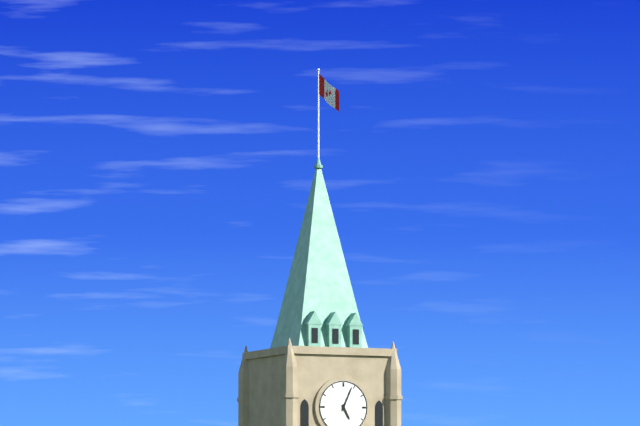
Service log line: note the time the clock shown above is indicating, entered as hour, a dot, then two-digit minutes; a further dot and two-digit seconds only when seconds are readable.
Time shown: 5.04
